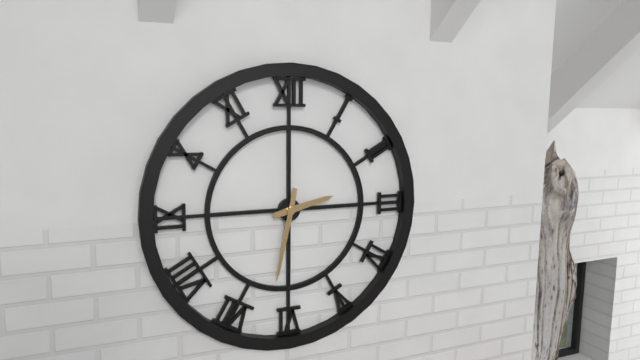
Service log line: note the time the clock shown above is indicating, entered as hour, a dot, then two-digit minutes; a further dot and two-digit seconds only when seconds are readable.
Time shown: 2.32
